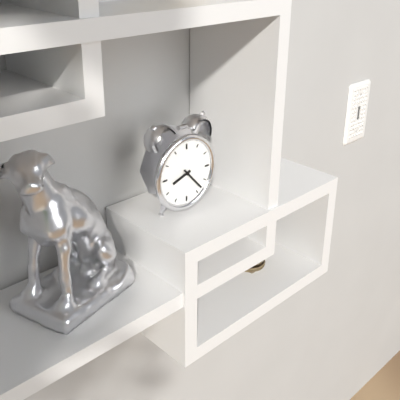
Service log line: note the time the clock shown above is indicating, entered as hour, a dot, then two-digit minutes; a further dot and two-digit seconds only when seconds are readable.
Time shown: 8.23
